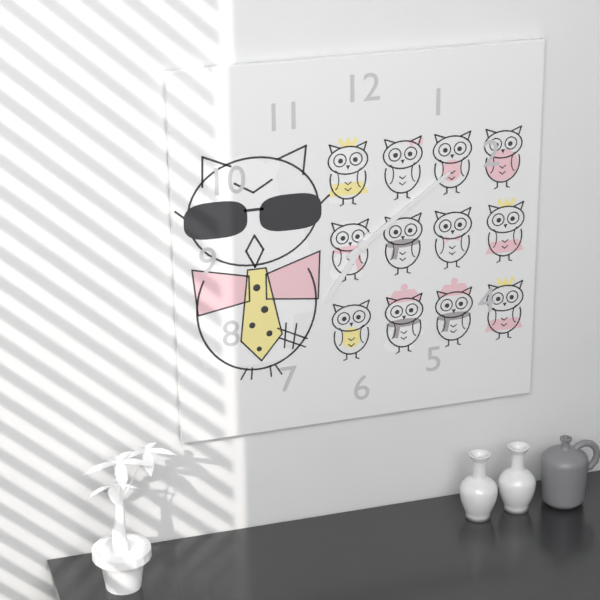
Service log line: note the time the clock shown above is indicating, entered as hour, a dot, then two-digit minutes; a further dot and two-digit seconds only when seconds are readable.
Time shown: 7.09
